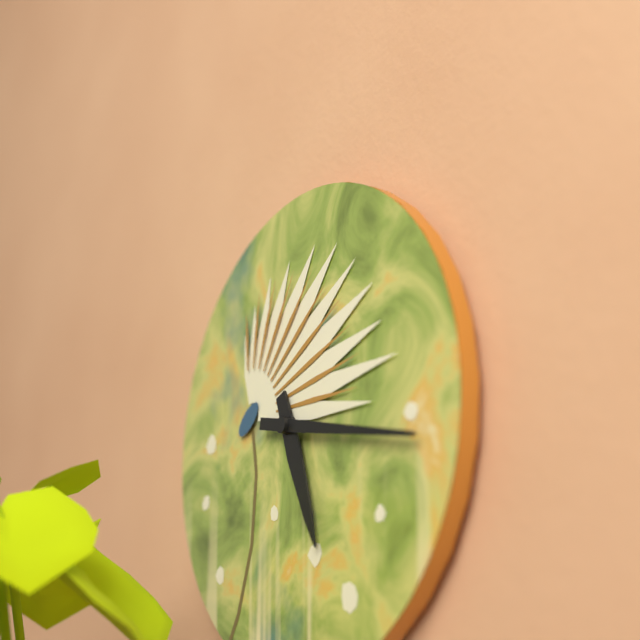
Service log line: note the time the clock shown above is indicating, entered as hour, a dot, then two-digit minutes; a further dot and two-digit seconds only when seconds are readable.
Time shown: 5.17
